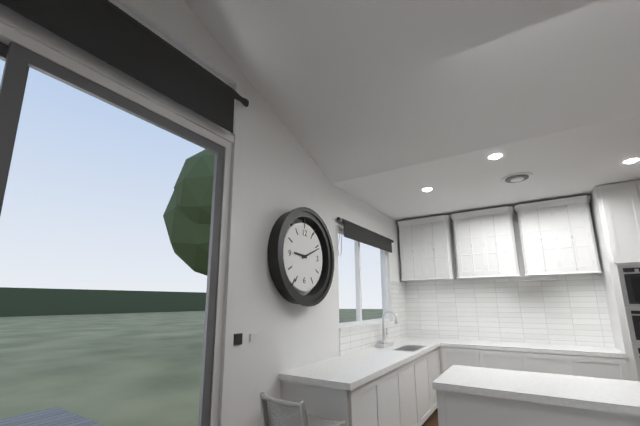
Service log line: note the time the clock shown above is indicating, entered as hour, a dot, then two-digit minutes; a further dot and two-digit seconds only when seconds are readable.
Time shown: 9.11
